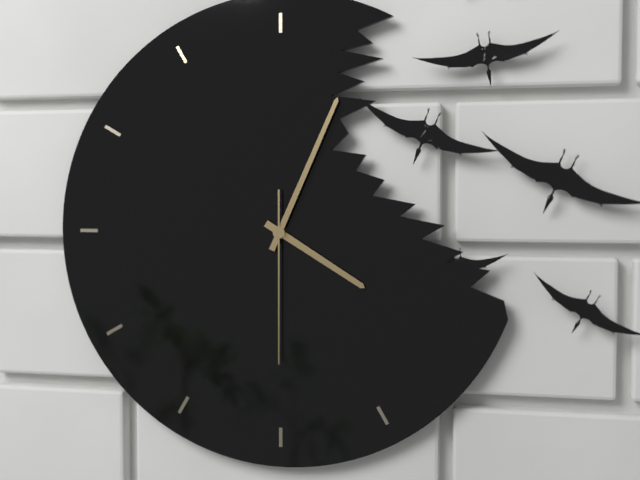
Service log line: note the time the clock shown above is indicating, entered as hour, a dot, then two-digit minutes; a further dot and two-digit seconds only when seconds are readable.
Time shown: 4.04.30
